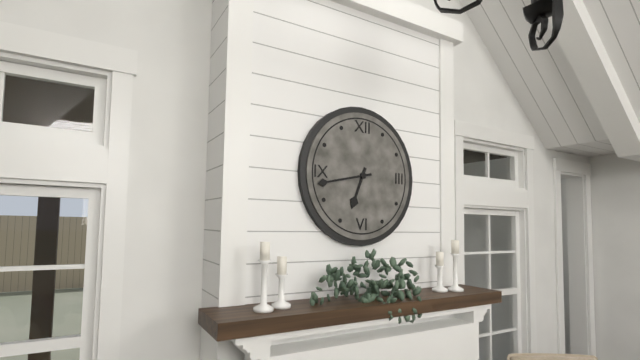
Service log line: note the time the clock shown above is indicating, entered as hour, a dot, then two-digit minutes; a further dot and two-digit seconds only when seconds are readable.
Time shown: 6.43
